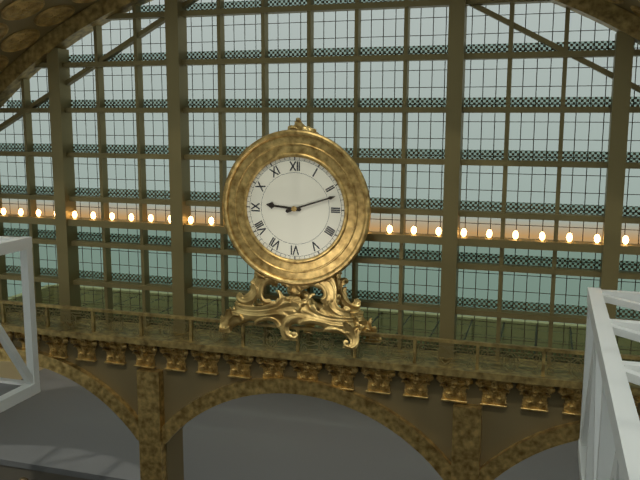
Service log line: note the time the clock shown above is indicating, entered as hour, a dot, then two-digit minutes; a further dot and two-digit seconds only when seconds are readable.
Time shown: 9.12
